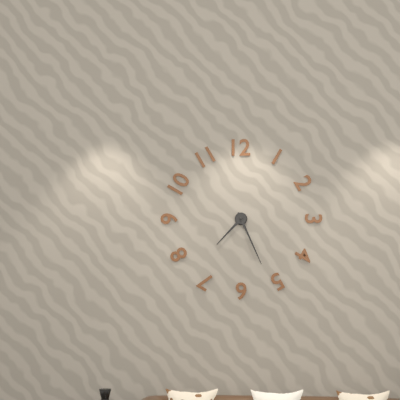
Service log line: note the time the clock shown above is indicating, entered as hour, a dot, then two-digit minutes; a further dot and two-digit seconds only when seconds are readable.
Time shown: 7.26
